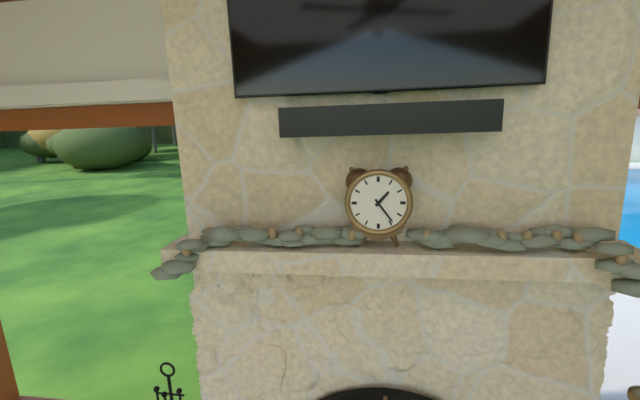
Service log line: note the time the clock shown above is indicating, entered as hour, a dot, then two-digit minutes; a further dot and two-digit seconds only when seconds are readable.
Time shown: 1.24
